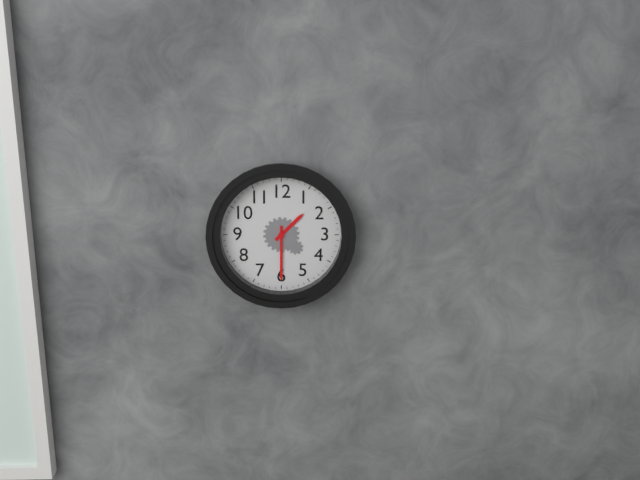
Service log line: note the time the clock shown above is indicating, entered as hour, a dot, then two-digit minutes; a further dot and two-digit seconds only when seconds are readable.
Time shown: 1.30
